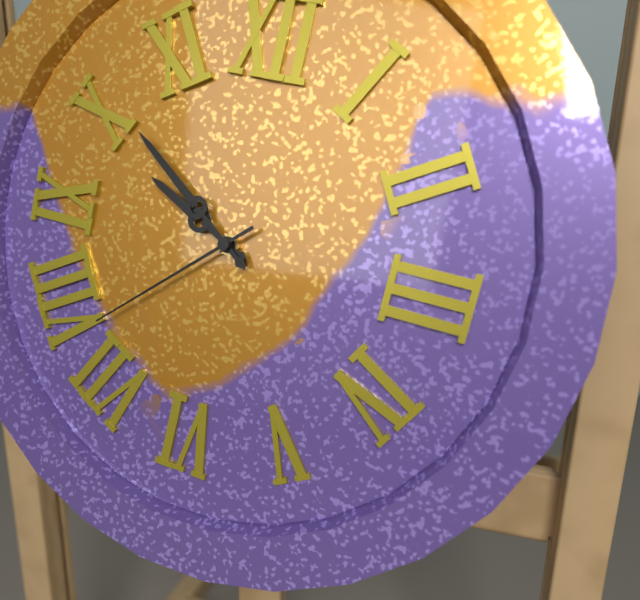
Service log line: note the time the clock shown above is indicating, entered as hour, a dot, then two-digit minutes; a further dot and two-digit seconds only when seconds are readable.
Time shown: 9.51.38
